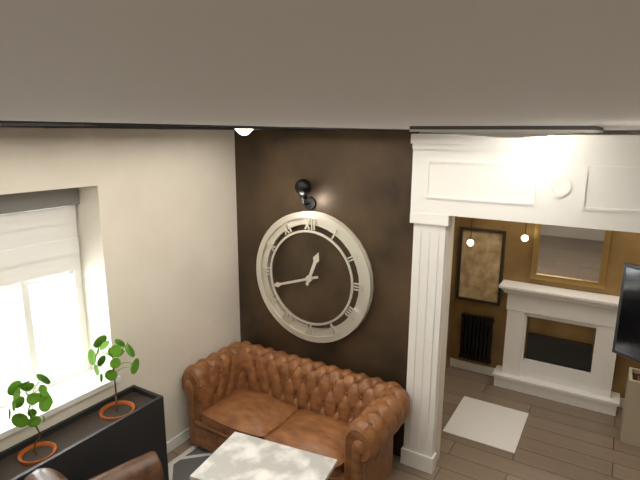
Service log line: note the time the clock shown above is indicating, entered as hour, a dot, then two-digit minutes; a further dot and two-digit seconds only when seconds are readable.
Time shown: 12.42
